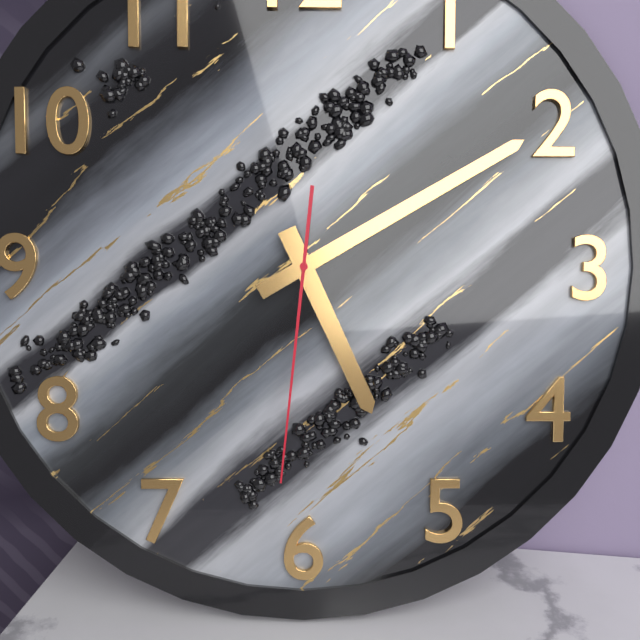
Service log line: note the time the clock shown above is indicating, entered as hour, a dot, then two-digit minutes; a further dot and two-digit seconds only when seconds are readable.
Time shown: 5.10.31
